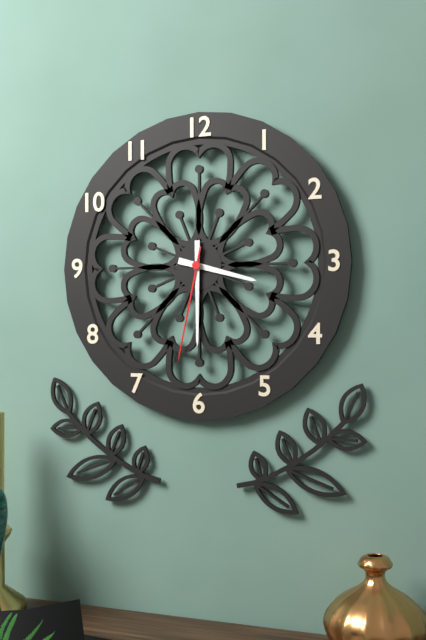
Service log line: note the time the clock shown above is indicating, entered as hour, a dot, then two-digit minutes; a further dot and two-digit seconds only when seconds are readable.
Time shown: 3.30.32
